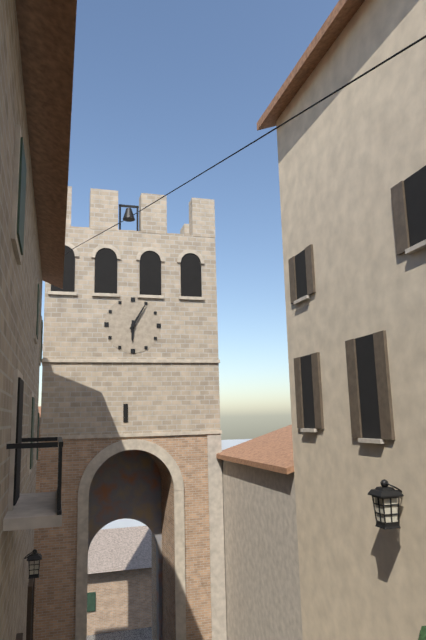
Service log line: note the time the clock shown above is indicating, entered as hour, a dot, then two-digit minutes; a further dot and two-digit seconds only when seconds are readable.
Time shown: 6.05
